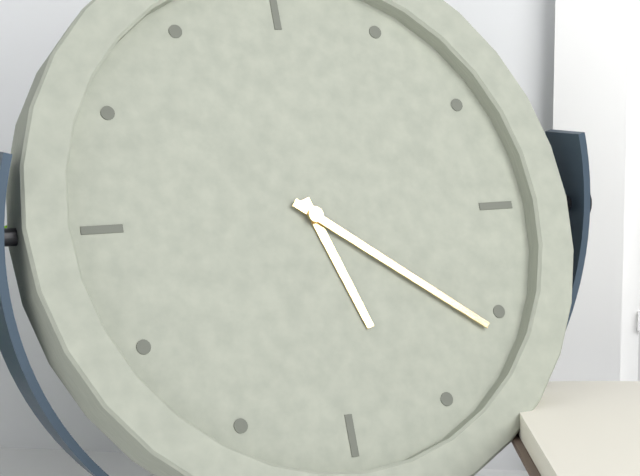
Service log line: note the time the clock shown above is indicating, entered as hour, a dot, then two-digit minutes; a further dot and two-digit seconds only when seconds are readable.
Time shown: 5.21
